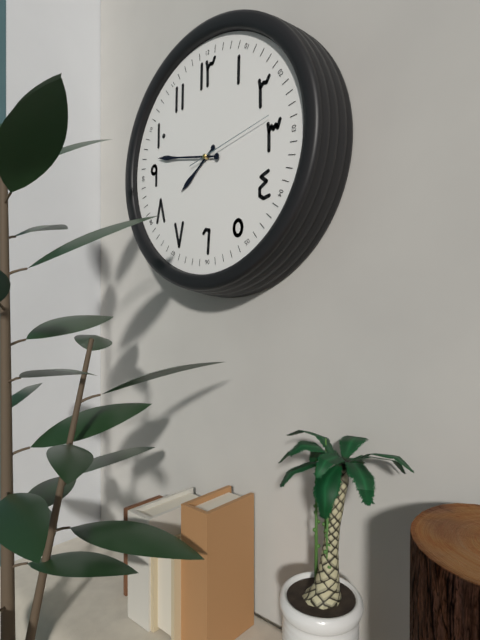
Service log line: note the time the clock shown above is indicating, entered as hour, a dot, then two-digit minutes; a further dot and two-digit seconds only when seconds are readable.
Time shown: 7.47.13
